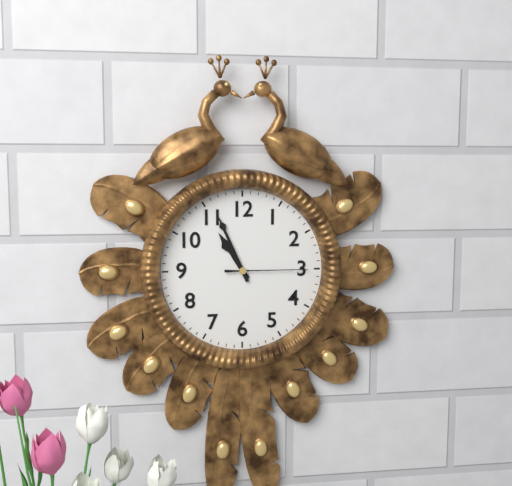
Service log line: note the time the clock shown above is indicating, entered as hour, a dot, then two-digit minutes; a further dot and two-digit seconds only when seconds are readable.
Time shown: 10.56.15
